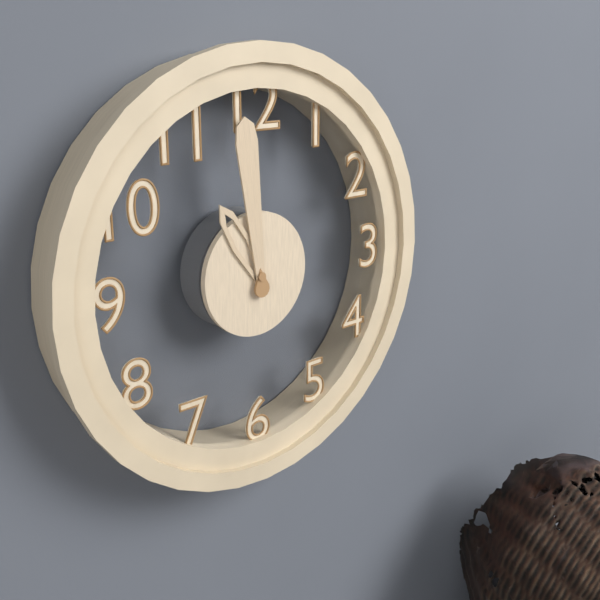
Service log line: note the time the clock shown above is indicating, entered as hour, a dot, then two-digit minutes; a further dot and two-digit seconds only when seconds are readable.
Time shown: 10.59
